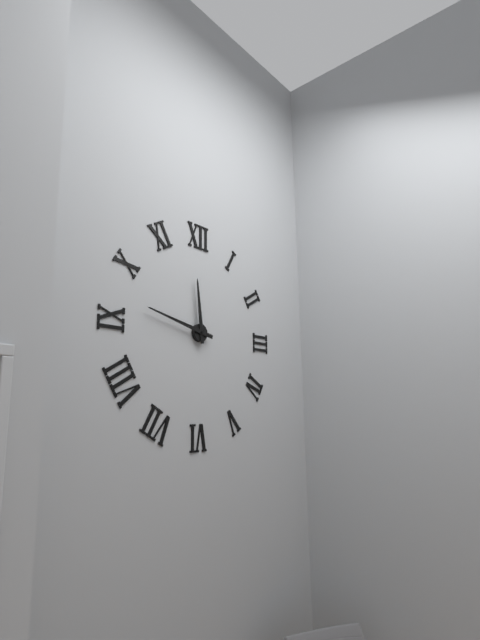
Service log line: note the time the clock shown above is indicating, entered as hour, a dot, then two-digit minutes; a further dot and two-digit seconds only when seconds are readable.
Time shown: 11.47
